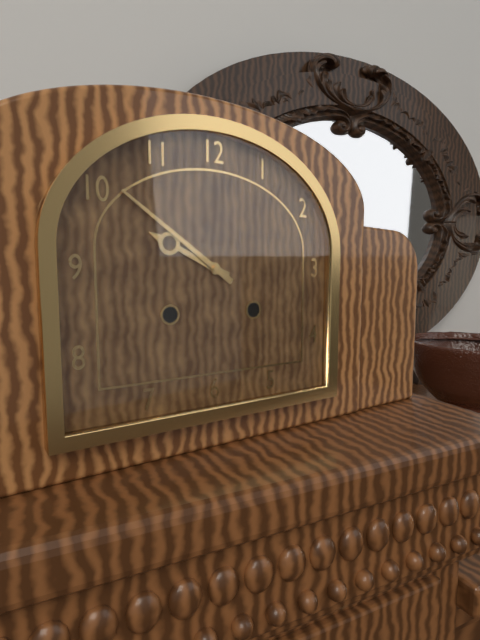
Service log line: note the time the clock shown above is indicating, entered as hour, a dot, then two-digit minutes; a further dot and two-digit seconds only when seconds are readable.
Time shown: 9.51
